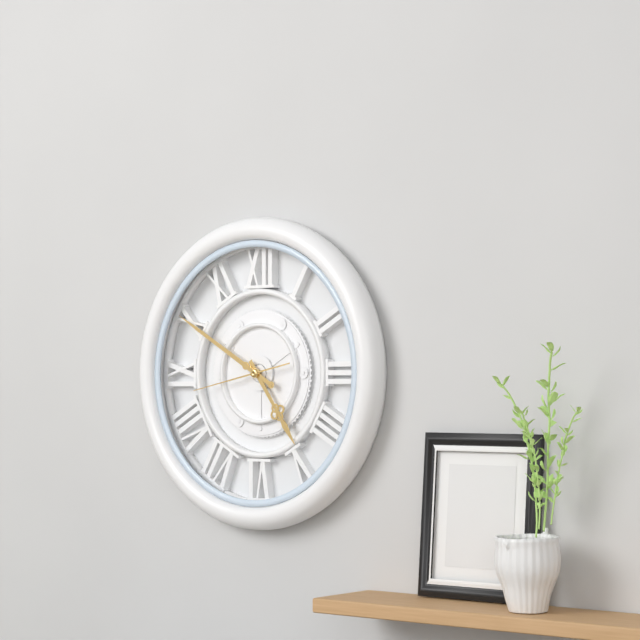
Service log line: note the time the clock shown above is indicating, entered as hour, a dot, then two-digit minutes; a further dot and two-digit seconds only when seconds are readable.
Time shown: 4.50.43
